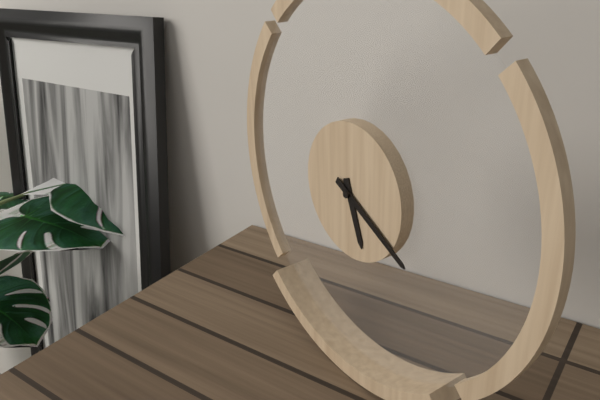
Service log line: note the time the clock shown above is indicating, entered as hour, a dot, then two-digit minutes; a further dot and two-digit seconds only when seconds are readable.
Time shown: 5.20
